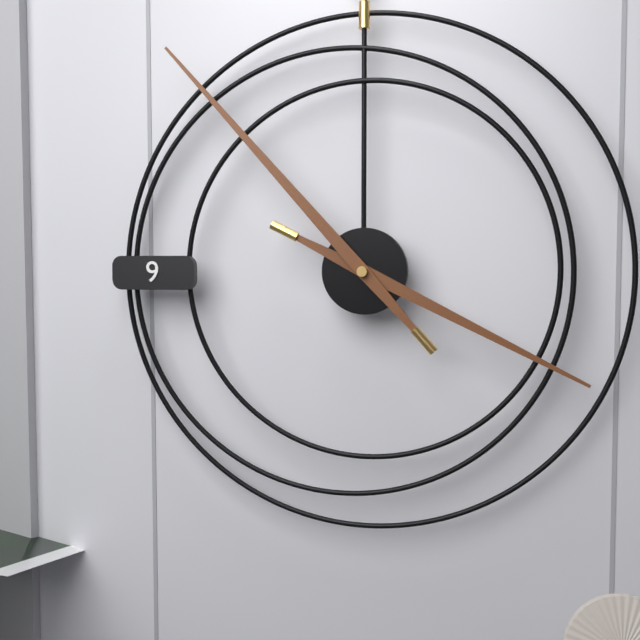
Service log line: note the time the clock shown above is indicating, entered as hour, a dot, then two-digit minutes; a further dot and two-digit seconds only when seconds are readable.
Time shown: 3.53
